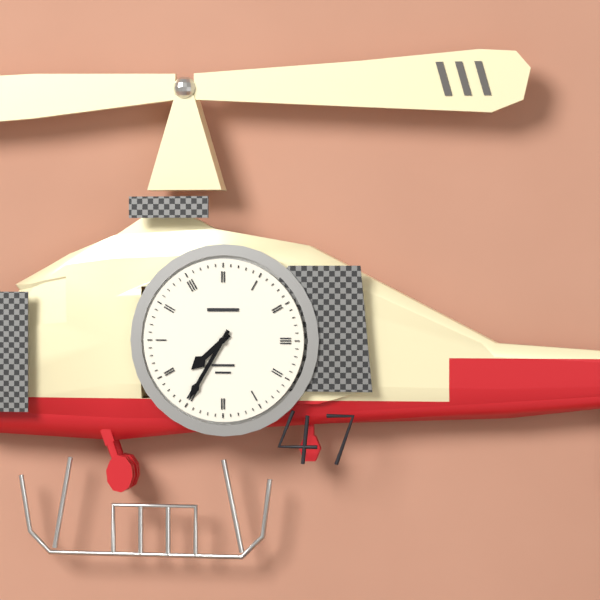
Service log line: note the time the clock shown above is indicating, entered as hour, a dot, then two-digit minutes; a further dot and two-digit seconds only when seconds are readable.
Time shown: 7.35
